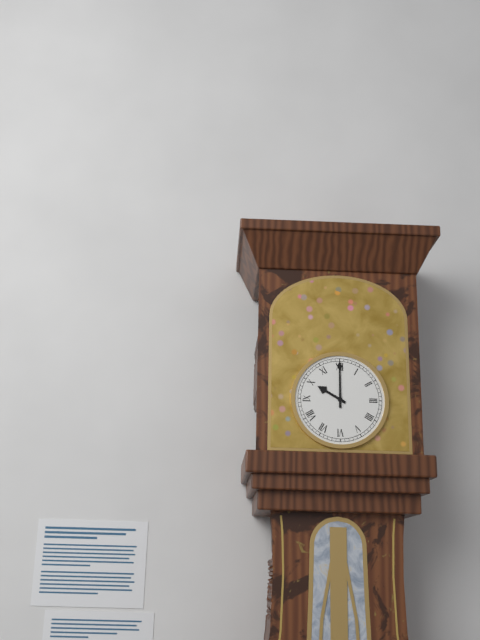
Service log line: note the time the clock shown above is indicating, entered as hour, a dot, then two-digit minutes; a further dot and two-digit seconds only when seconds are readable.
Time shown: 10.00
